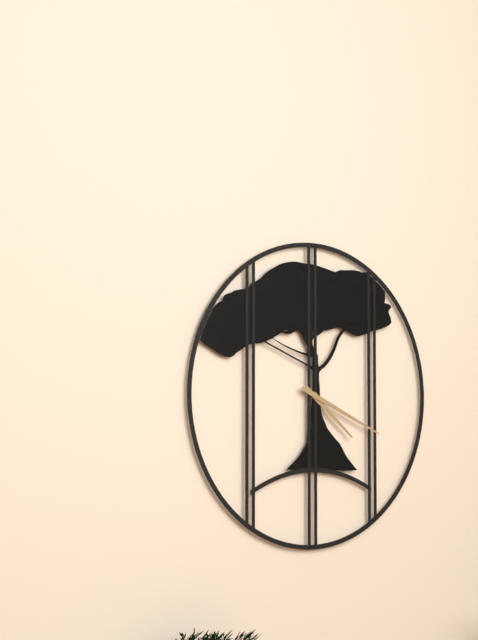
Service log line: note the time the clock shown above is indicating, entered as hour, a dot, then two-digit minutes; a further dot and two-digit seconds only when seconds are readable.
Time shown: 4.19
